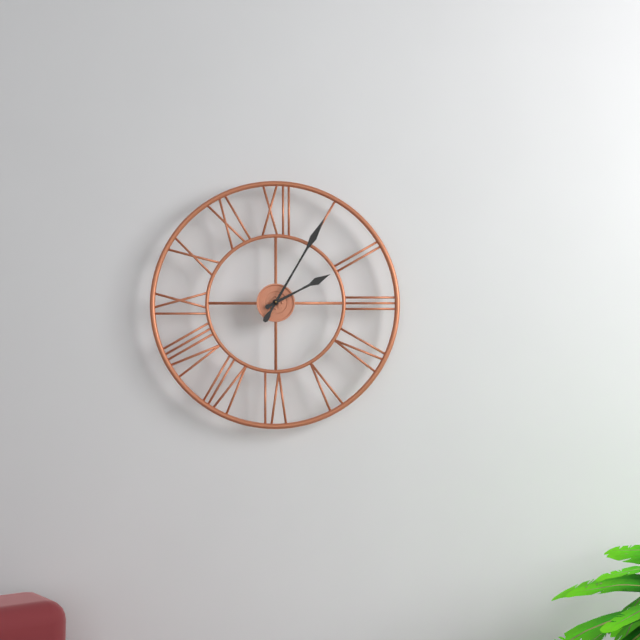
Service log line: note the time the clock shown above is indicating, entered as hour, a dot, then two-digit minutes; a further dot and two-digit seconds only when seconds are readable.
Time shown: 2.05
